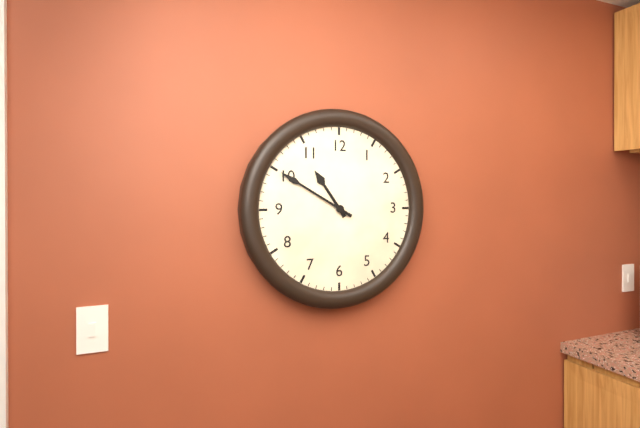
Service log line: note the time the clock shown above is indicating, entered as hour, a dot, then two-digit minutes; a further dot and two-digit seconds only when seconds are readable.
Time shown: 10.50
